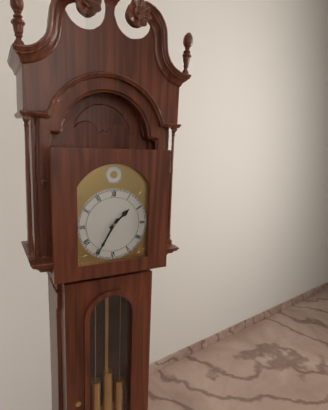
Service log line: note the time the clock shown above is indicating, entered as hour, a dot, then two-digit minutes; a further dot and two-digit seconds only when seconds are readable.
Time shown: 1.35
